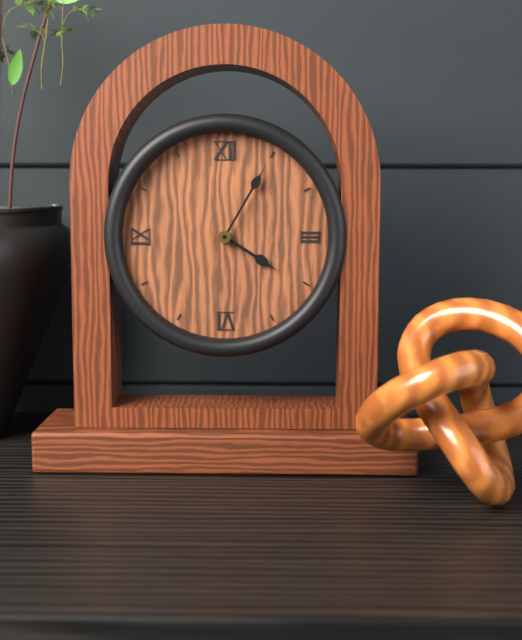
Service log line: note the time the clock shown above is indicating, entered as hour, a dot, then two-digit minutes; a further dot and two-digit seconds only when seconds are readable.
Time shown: 4.05
